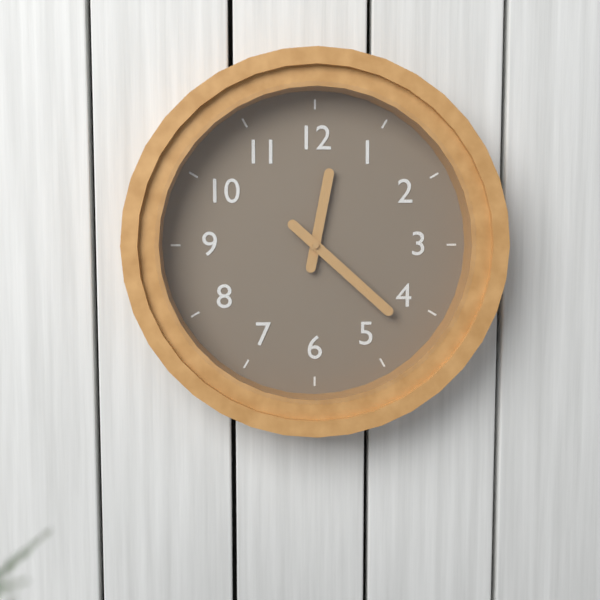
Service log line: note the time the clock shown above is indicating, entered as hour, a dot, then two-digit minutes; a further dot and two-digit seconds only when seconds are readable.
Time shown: 12.22
